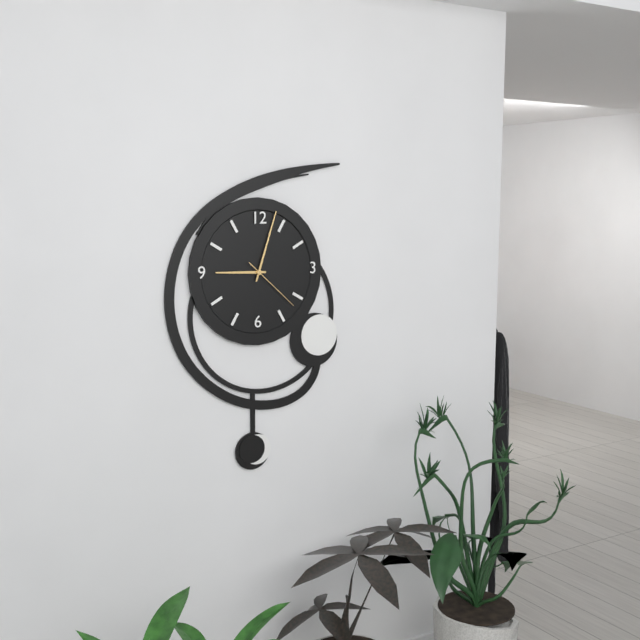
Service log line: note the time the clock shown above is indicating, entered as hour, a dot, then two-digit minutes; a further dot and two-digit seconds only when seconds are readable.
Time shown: 9.03.22
